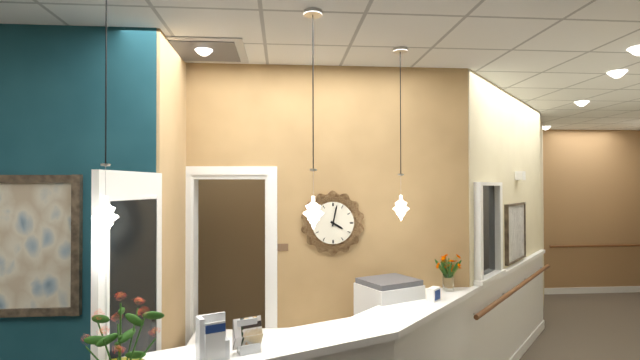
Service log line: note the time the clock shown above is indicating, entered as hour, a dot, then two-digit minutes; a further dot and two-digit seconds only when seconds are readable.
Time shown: 4.02
